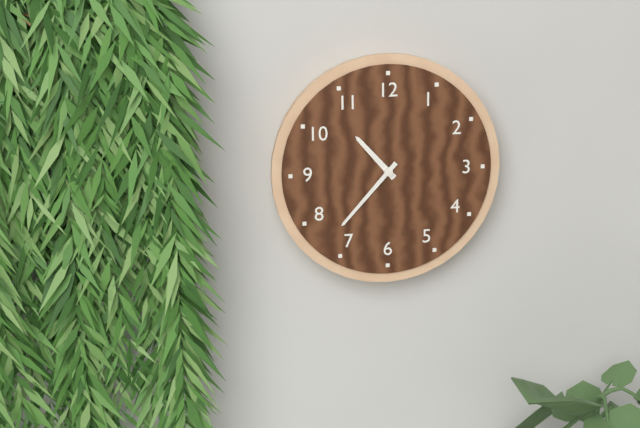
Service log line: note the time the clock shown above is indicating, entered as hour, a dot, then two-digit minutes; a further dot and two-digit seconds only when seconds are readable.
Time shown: 10.37
